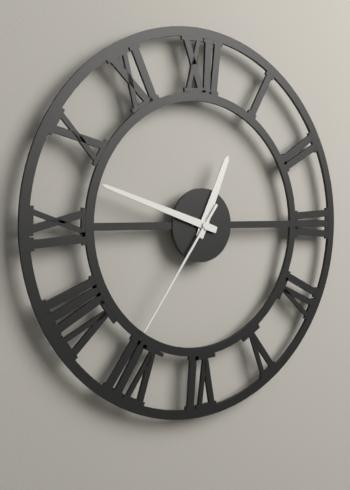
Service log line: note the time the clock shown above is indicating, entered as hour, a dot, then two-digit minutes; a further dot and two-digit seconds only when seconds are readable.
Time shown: 12.48.36
